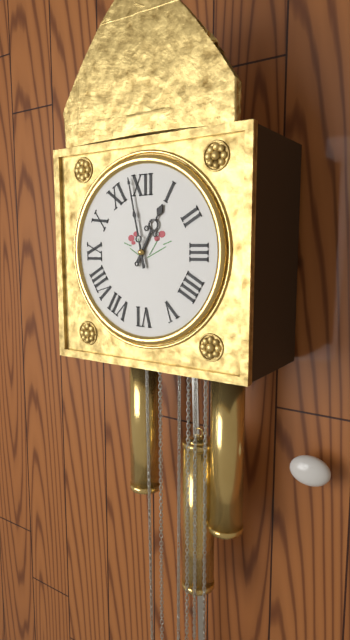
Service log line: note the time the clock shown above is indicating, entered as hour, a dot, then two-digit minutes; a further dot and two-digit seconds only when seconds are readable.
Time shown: 12.58
